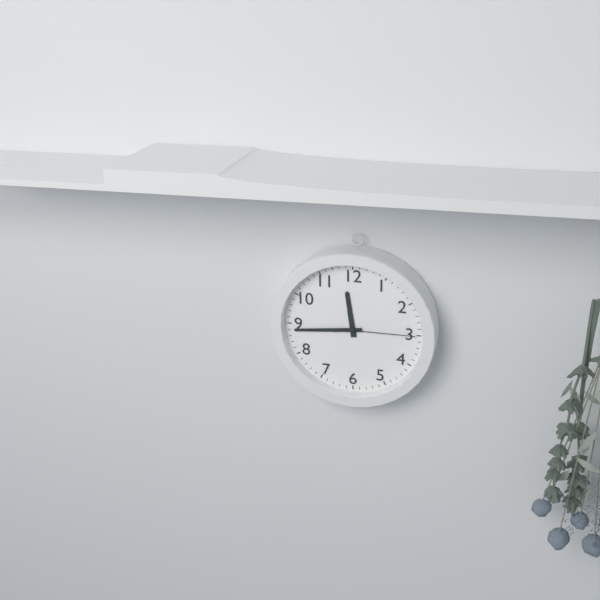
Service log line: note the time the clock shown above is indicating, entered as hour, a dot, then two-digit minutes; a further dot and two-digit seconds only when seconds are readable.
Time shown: 11.44.15
